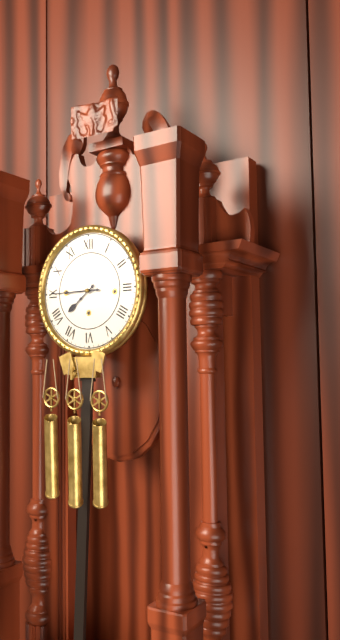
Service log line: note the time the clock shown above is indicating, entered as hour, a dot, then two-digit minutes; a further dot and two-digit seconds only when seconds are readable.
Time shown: 7.45
